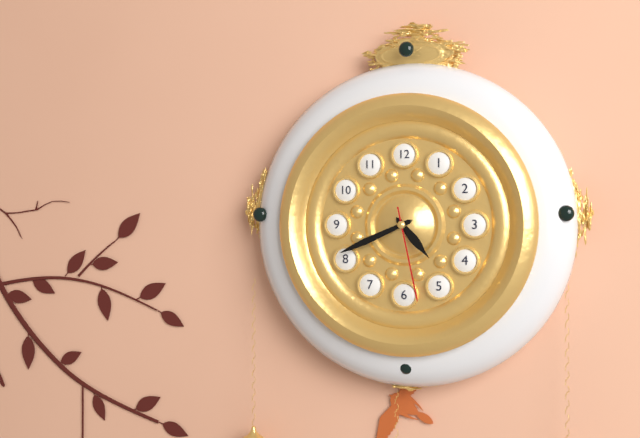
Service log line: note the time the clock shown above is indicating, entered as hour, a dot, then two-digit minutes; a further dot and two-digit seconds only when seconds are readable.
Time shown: 4.41.28
